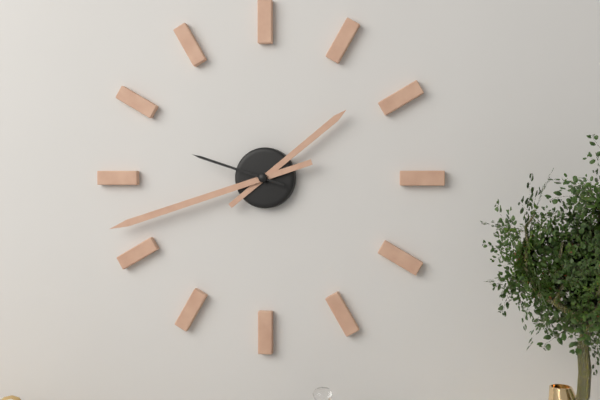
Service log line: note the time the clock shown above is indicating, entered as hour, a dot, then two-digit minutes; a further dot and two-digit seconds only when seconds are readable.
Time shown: 1.42.48
